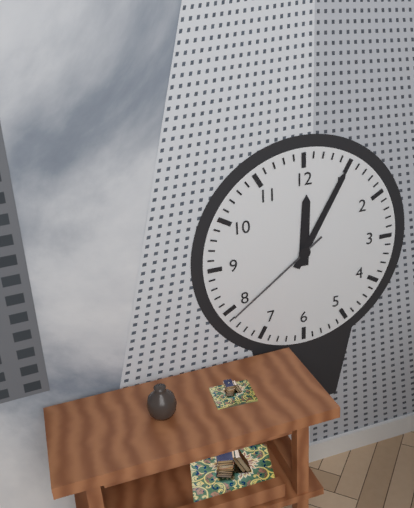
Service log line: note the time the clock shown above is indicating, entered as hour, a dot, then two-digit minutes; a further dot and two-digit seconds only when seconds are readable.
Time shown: 12.05.39
